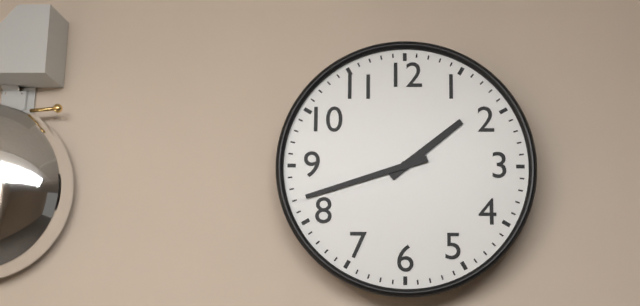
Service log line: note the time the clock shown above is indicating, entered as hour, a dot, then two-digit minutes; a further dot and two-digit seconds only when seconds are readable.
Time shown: 1.42
